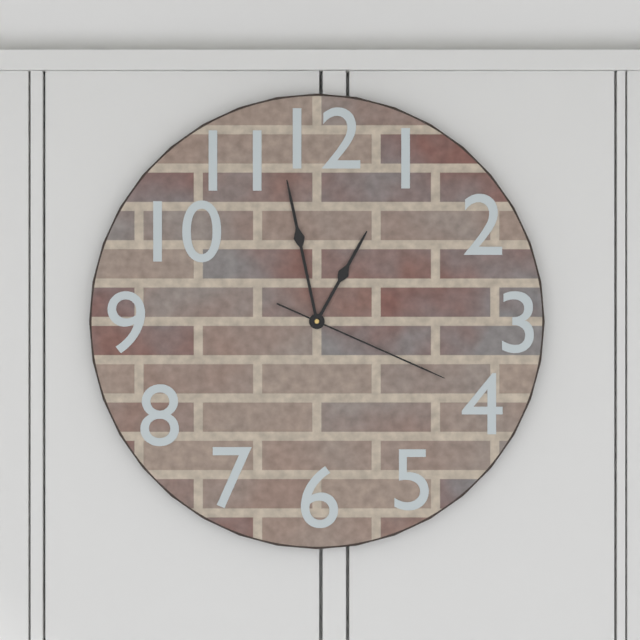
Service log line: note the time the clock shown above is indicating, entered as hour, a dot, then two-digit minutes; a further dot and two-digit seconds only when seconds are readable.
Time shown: 12.58.19
